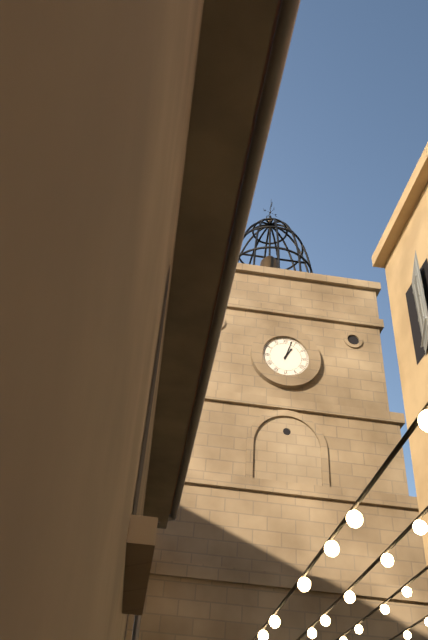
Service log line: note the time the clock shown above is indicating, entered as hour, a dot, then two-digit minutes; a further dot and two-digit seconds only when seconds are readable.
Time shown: 1.03
